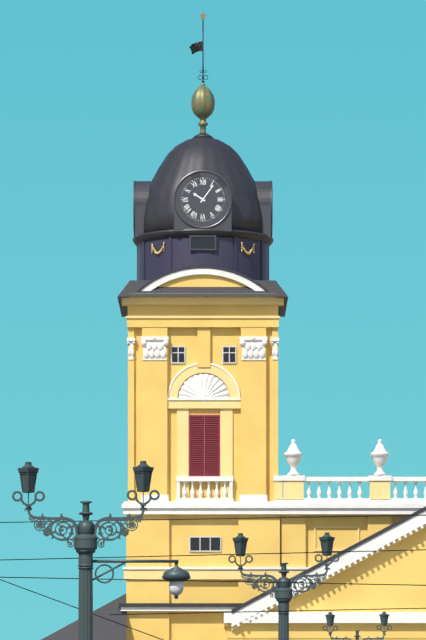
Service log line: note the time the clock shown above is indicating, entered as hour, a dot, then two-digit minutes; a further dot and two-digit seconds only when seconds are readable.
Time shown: 10.06
